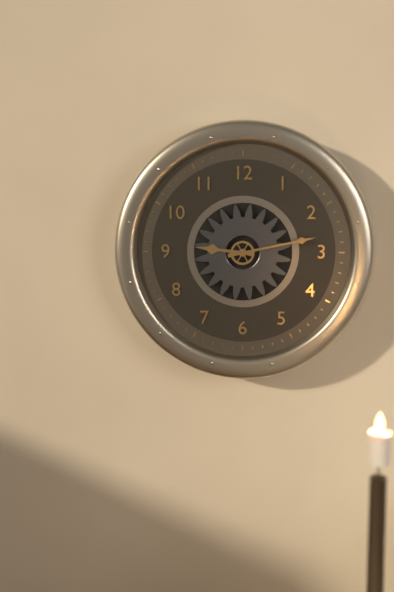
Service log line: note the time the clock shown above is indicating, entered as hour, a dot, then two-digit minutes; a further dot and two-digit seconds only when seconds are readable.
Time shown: 9.13
